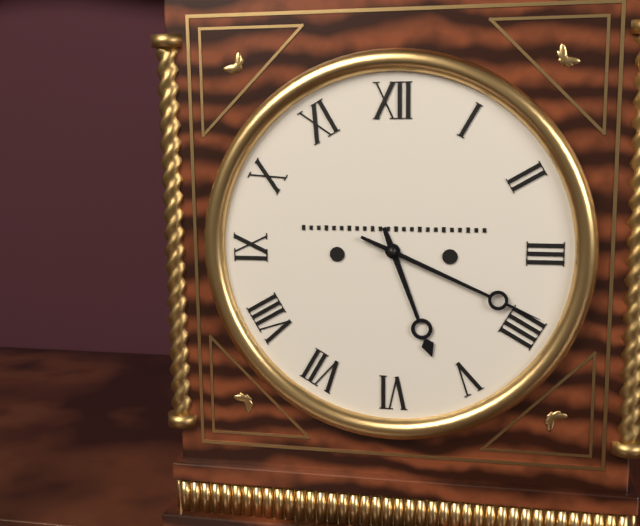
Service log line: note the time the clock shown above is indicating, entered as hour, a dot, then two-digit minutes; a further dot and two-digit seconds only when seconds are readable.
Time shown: 5.19
